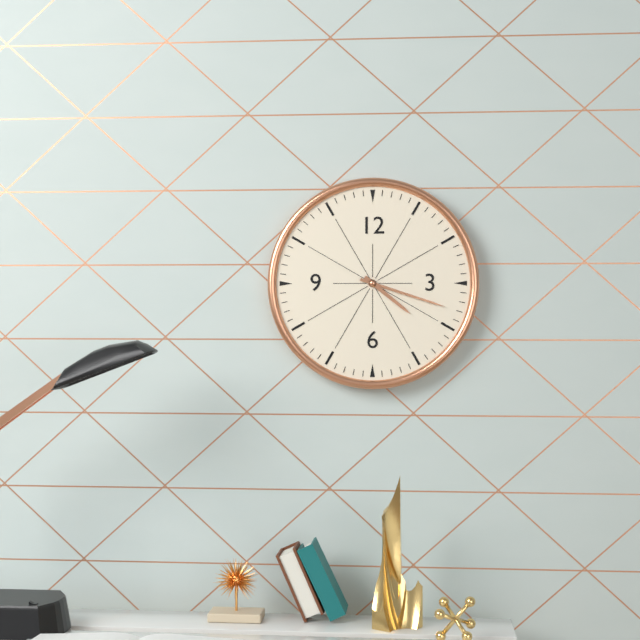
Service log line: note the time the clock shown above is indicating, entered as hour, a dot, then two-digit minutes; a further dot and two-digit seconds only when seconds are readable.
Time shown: 4.18
